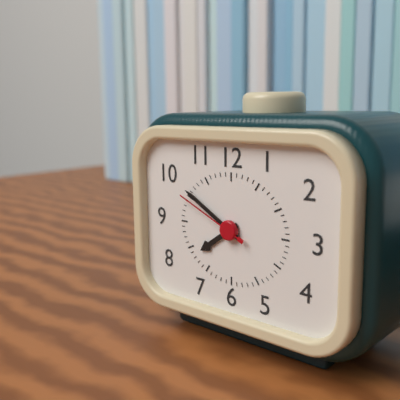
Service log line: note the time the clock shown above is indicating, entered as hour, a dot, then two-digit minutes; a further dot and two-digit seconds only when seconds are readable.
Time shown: 7.50.49
